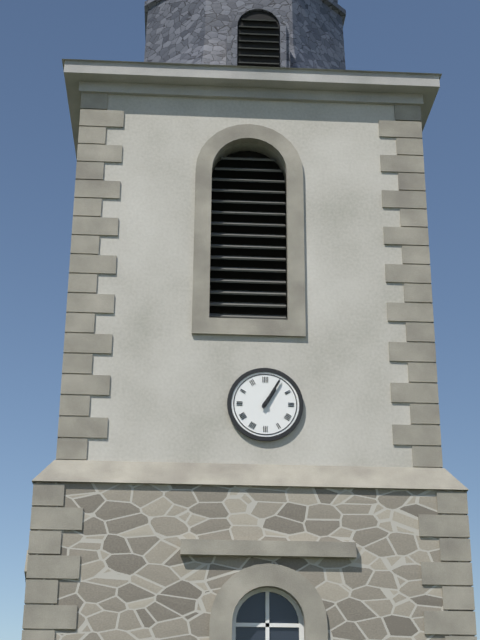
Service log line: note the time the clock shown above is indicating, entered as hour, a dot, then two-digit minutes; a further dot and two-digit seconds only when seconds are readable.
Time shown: 1.05
